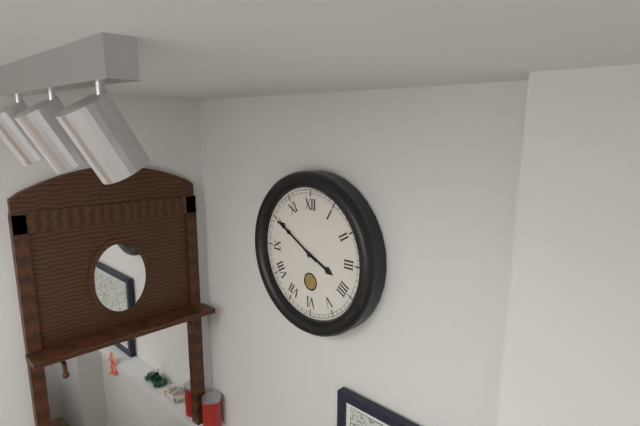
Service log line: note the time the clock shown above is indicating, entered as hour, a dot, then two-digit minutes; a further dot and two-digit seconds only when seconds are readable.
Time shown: 3.50
